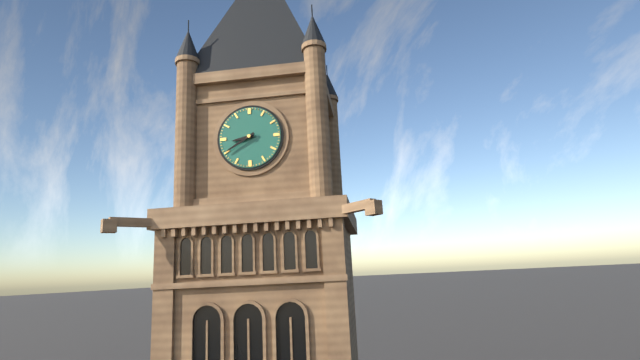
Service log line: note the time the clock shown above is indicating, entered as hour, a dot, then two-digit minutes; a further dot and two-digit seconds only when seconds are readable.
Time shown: 8.40
